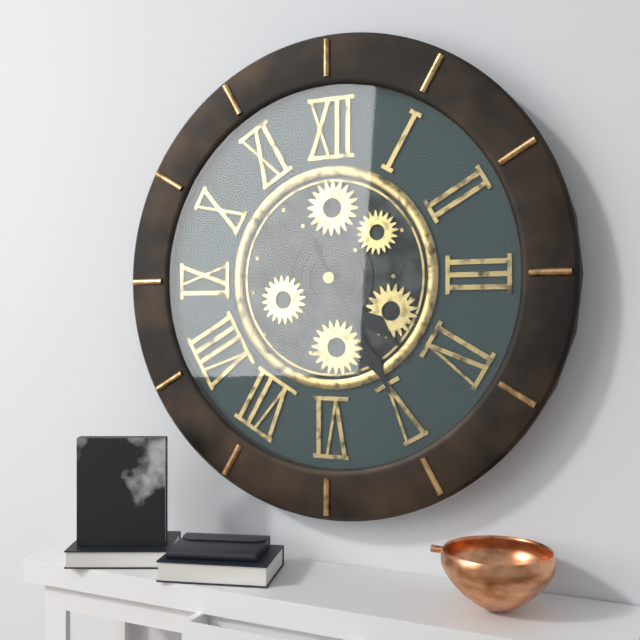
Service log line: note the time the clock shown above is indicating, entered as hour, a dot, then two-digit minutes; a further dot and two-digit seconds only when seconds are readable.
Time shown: 4.25
